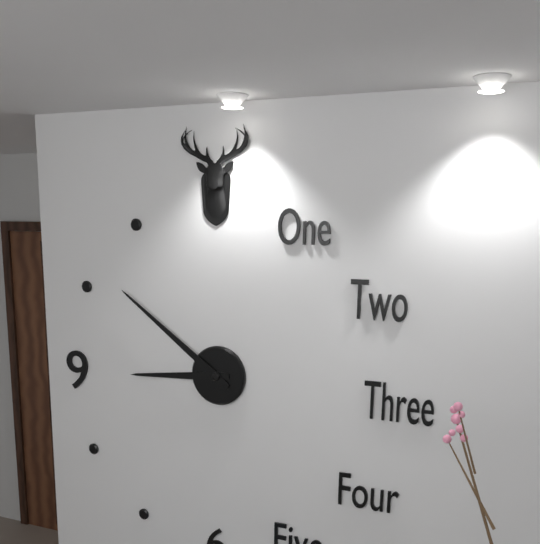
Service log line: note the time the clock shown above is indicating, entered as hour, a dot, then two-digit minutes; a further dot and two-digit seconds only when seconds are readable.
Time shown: 8.51
